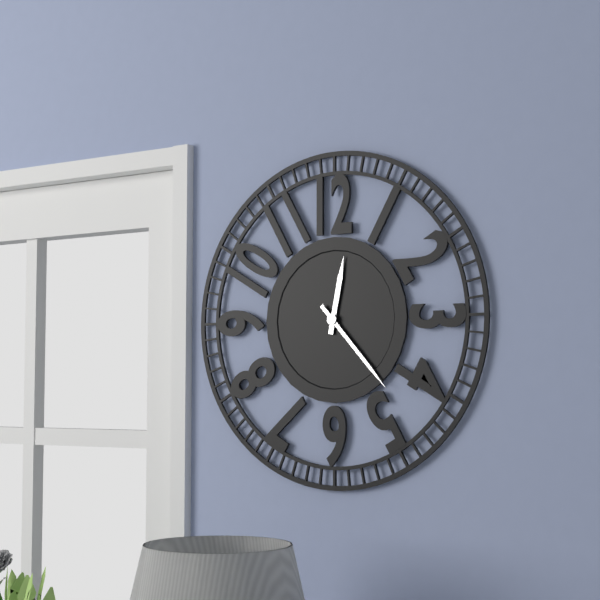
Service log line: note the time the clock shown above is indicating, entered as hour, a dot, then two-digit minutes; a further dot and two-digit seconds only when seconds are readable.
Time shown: 12.23
